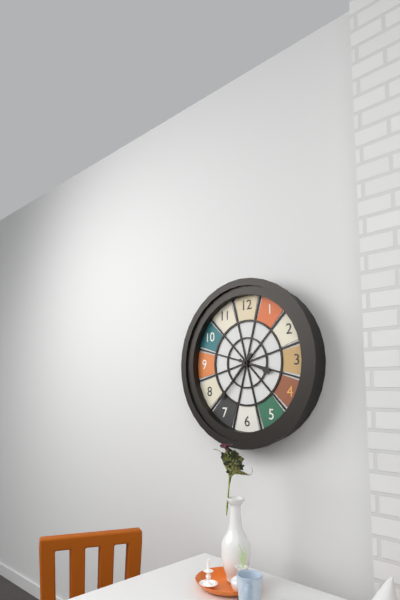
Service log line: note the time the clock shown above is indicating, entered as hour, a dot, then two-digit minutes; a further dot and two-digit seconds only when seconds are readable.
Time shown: 3.37
